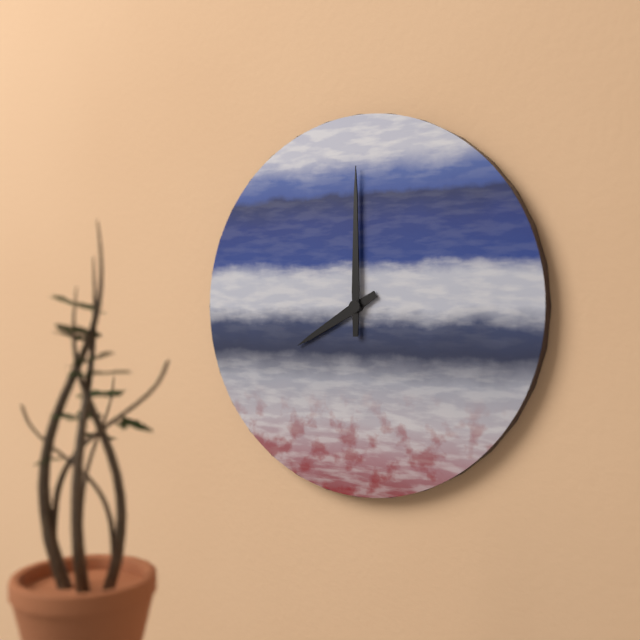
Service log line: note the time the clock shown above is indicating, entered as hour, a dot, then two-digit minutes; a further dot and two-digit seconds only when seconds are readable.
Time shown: 8.00
